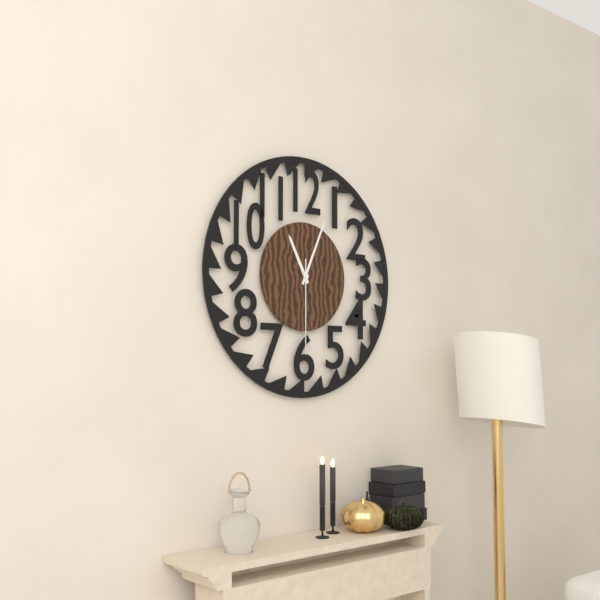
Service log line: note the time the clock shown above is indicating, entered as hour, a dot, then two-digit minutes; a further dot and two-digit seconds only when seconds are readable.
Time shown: 11.04.30
